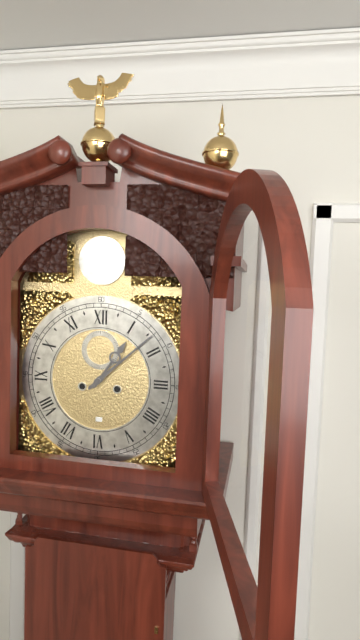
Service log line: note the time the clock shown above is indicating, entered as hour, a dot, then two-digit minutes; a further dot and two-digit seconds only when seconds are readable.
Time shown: 1.08
